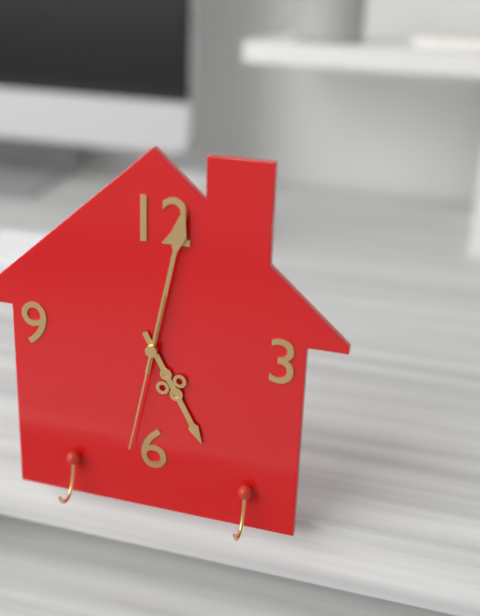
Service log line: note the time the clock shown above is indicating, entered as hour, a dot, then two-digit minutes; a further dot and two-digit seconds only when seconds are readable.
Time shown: 5.02.32
